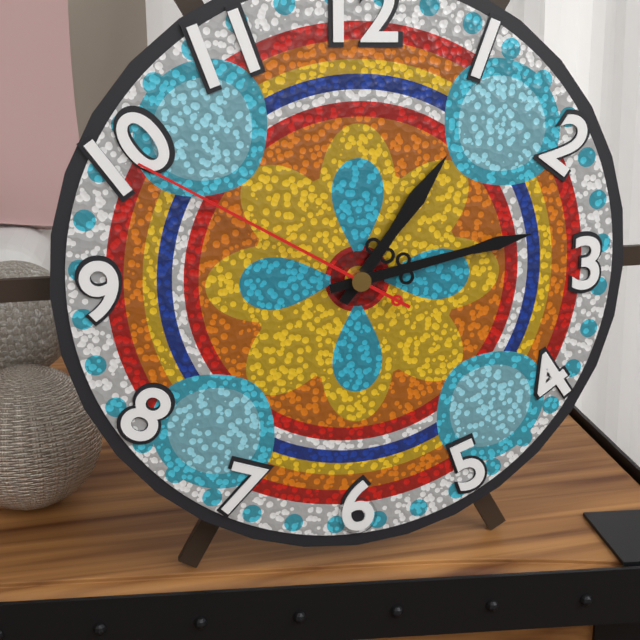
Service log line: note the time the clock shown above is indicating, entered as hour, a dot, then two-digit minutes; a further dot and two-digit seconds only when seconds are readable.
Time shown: 1.13.50
